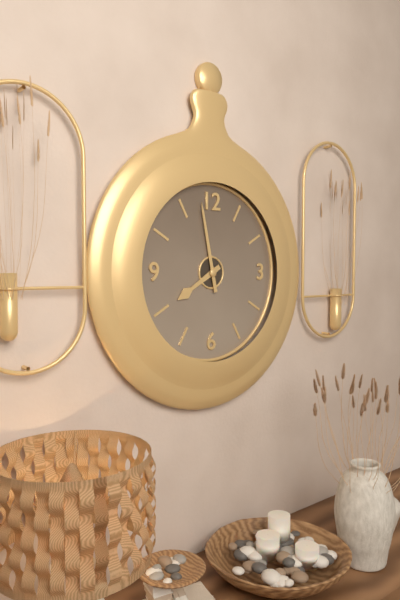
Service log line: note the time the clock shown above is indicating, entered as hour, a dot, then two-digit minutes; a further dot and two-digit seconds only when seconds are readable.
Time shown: 7.58
